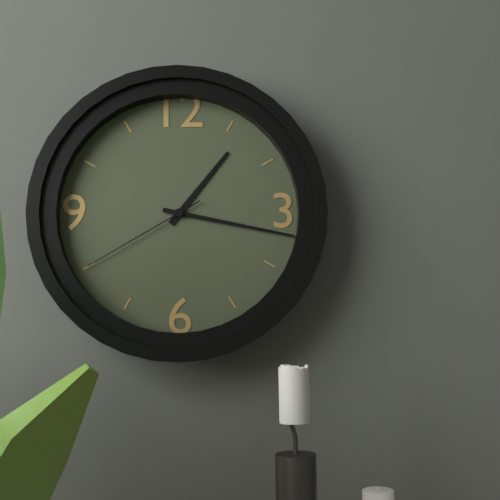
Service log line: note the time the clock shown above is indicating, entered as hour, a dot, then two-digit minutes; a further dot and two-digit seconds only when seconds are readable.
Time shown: 1.17.40
